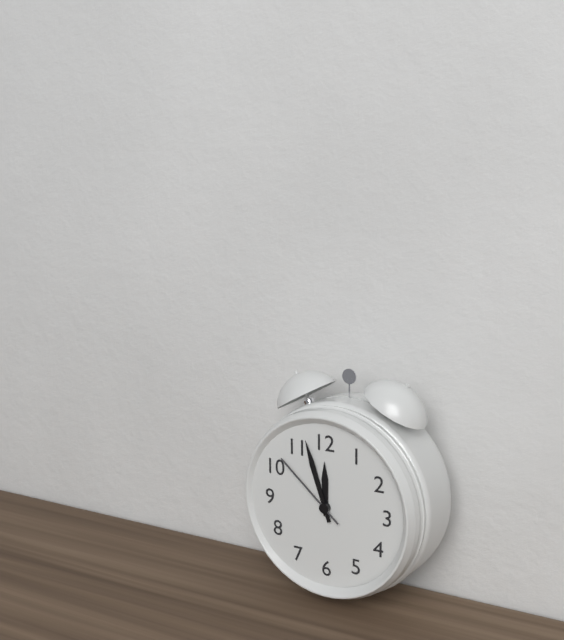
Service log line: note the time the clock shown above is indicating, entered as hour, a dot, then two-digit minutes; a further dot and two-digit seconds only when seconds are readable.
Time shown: 11.57.52
